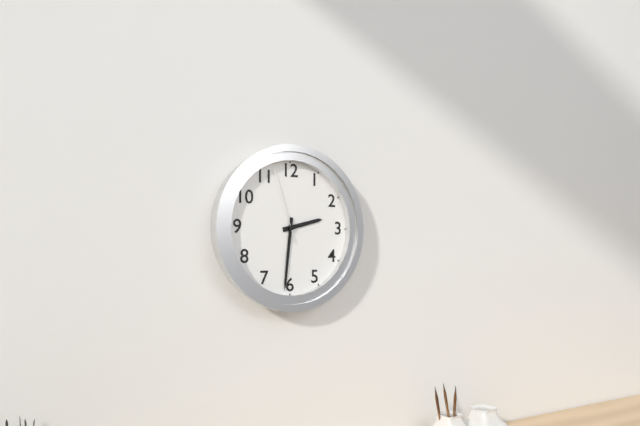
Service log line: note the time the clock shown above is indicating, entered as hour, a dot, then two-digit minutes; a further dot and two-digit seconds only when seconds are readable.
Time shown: 2.31.57
